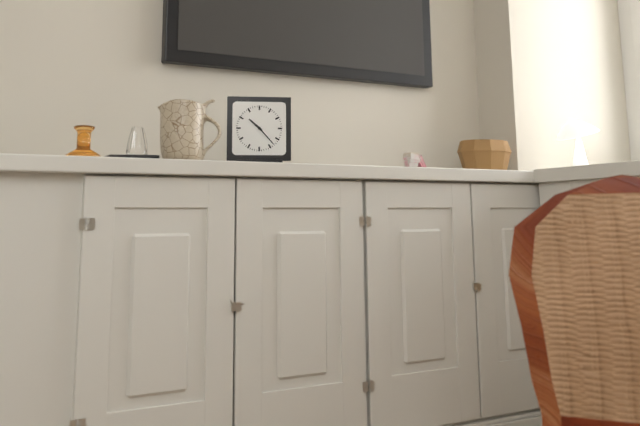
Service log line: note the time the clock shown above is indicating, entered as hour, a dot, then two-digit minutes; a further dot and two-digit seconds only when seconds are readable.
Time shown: 10.23
